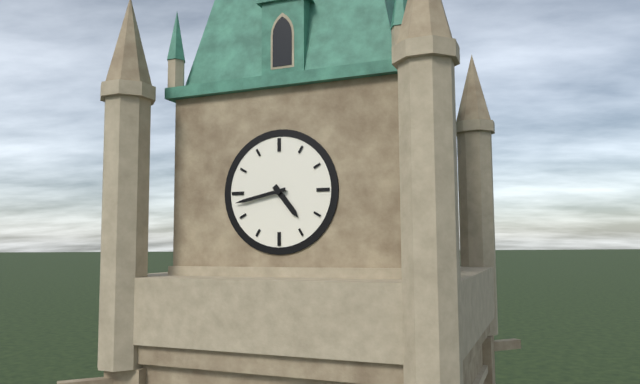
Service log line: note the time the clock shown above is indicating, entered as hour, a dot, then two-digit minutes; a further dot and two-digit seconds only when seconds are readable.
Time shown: 4.43
